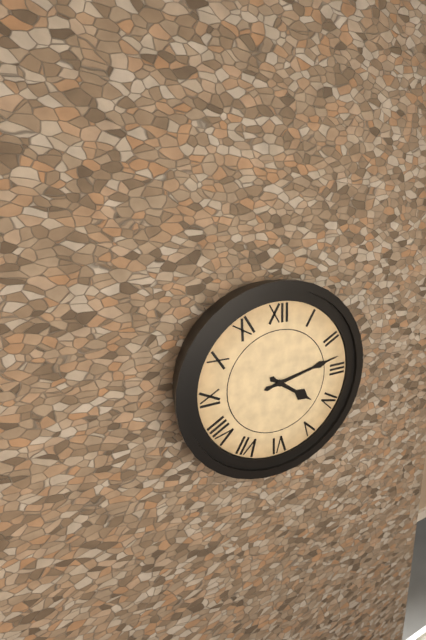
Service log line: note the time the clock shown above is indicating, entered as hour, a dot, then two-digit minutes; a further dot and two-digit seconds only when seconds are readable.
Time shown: 4.13
